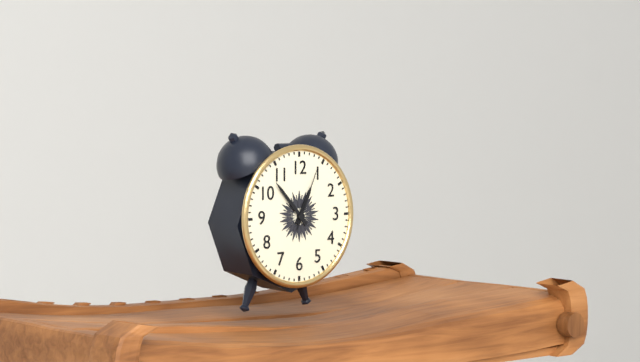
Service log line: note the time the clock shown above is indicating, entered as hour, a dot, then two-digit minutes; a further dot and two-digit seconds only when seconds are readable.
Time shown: 12.53.04
